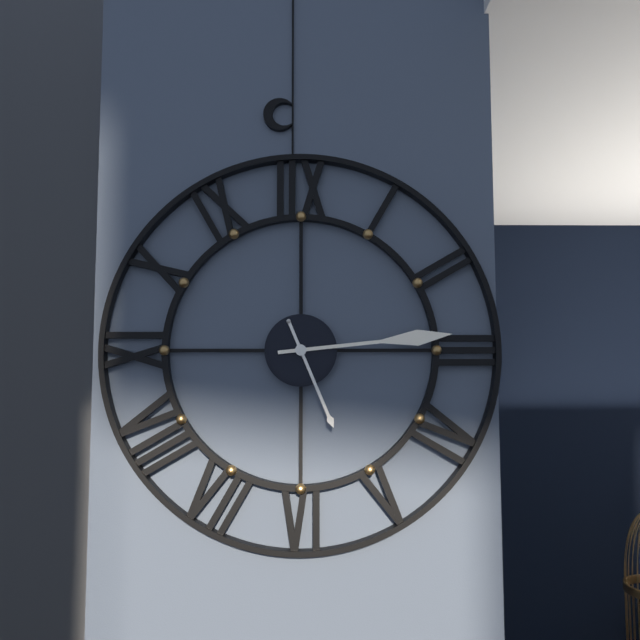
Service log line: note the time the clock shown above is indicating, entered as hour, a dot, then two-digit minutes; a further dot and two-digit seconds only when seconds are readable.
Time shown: 5.14
